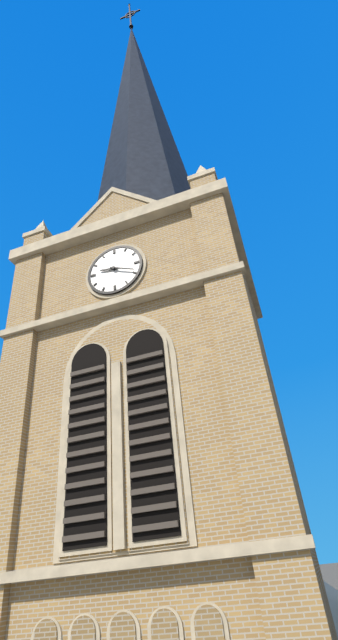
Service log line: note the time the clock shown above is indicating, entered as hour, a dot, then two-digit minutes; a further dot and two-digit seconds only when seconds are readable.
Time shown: 9.19
